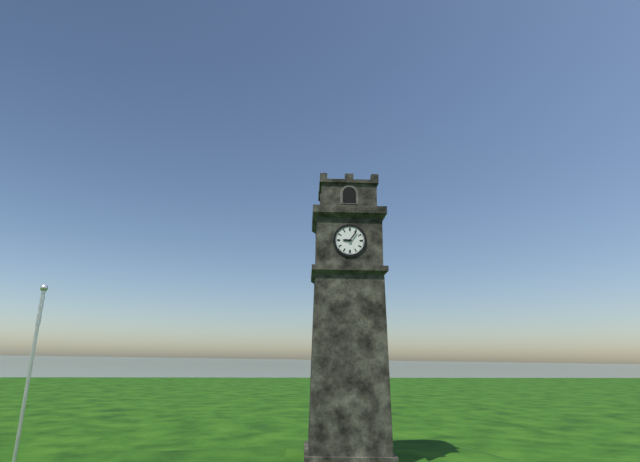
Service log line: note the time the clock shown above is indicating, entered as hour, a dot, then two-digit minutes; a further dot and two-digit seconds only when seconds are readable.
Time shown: 9.06
